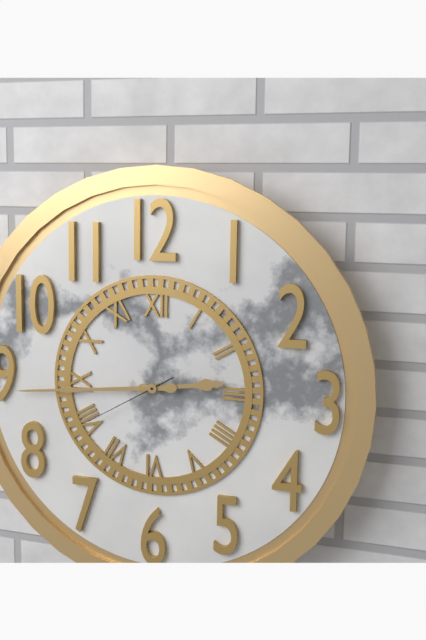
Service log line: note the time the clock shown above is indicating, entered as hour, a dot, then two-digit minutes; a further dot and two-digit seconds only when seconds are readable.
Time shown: 2.44.40
